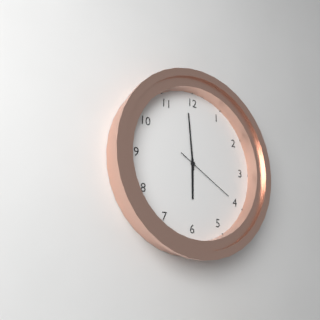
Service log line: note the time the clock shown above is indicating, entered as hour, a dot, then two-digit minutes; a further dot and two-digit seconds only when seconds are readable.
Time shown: 5.59.20
